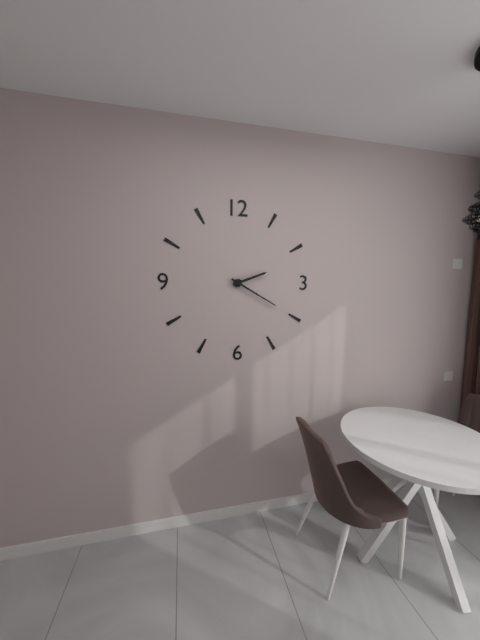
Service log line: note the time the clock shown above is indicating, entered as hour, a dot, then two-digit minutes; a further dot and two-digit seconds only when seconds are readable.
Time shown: 2.20
